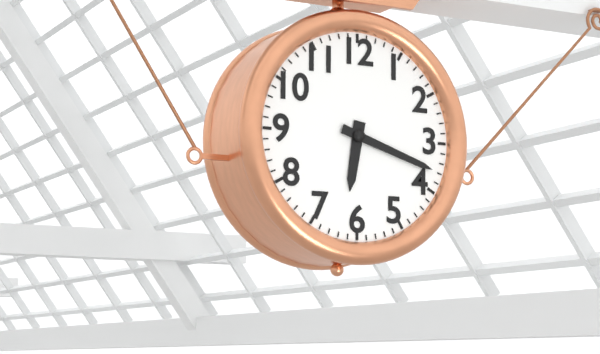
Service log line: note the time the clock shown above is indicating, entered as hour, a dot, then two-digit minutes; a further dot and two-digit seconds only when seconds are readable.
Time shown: 6.18
